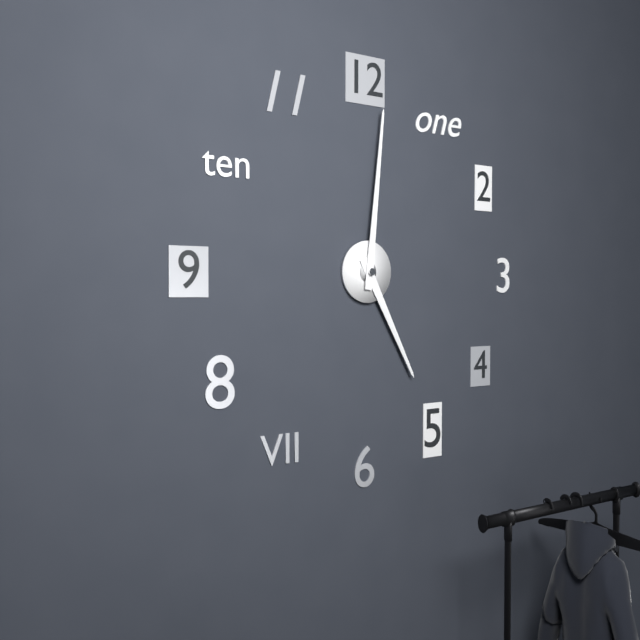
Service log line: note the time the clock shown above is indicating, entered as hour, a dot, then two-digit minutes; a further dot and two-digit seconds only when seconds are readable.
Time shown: 5.01
